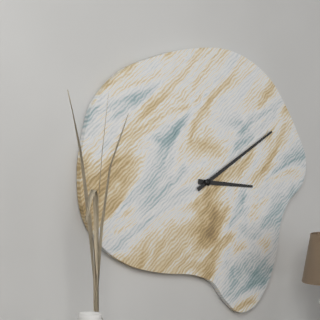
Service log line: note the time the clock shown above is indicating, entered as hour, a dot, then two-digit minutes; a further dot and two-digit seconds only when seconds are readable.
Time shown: 3.10
